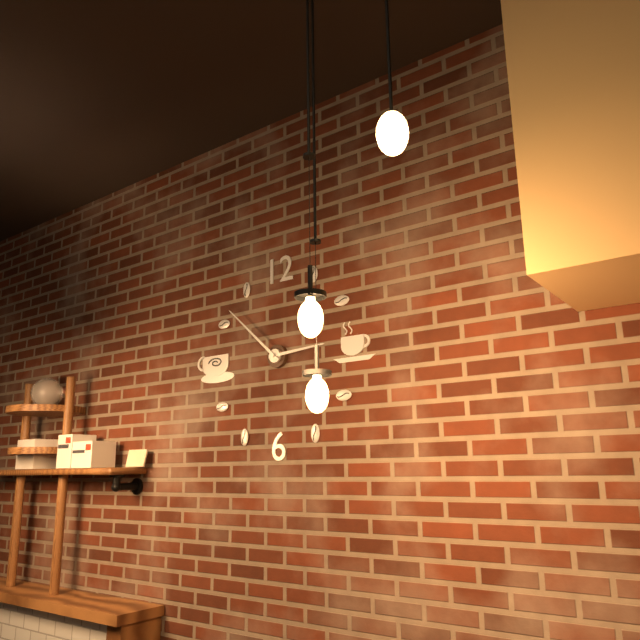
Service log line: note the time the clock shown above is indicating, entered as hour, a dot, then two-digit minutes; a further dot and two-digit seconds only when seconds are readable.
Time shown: 2.52
